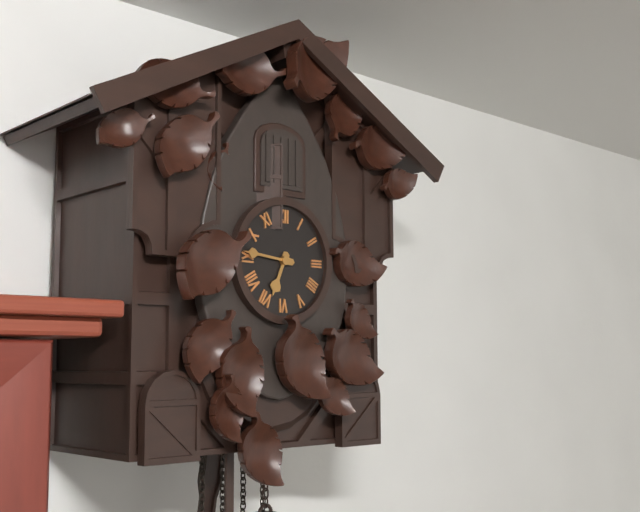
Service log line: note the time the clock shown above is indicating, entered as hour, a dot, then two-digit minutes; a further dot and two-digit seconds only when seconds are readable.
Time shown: 6.46
